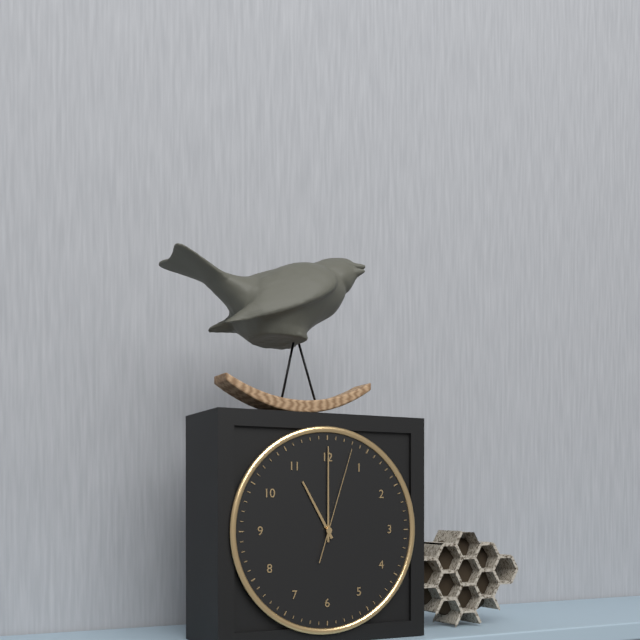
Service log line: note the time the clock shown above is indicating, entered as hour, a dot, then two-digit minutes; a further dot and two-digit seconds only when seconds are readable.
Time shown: 11.00.03
